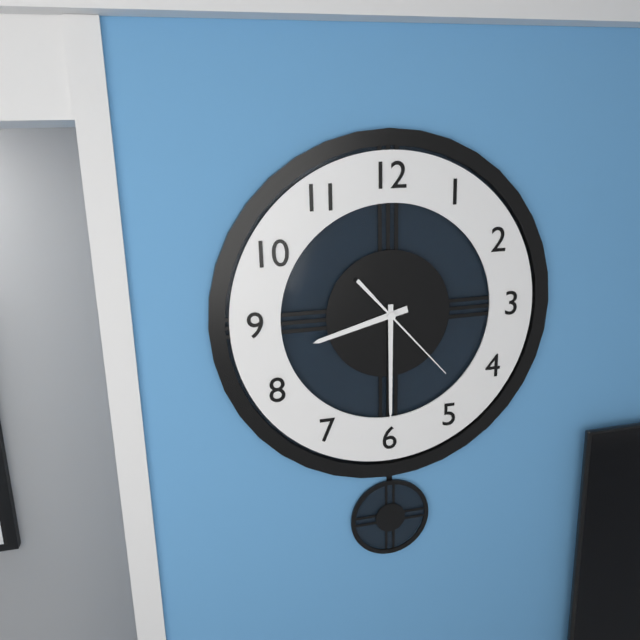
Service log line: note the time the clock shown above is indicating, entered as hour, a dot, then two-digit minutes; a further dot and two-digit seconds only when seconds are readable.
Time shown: 8.30.23
